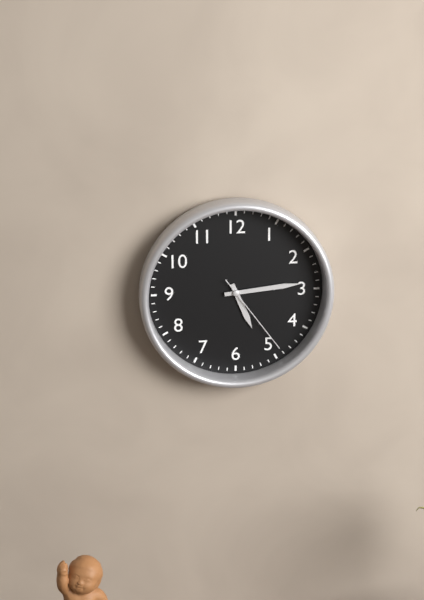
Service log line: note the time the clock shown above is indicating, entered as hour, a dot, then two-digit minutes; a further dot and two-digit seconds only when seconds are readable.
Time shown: 5.14.24
